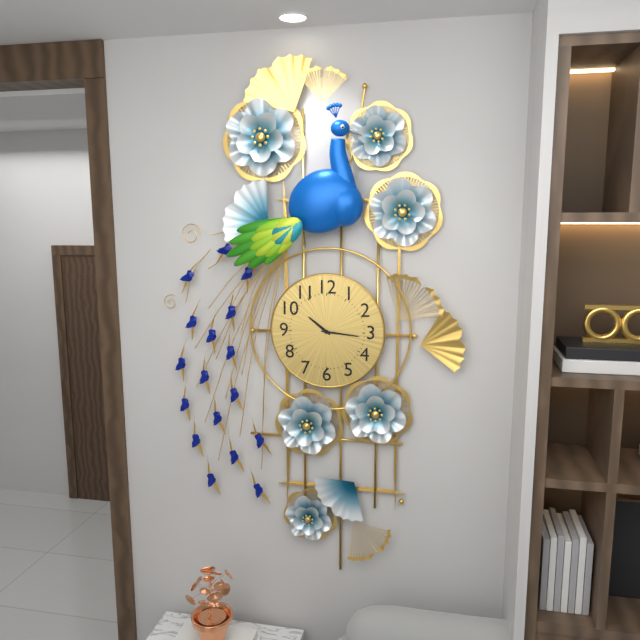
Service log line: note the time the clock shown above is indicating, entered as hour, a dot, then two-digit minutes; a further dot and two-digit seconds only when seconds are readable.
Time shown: 10.16
